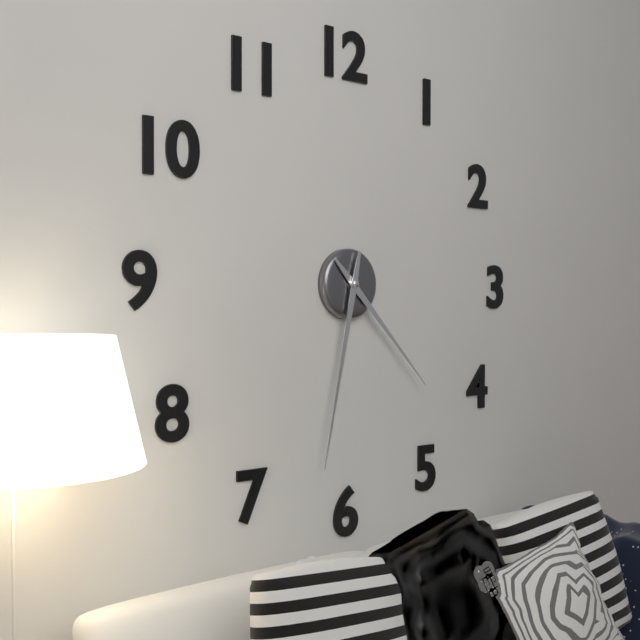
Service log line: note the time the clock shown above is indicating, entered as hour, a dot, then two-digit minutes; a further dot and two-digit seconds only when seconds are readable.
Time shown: 4.32
